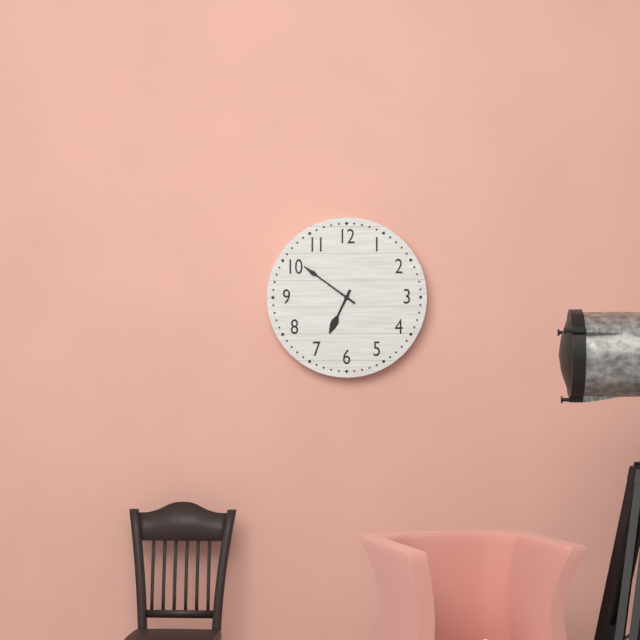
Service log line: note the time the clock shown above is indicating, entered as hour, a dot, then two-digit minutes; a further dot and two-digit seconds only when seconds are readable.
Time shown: 6.51
